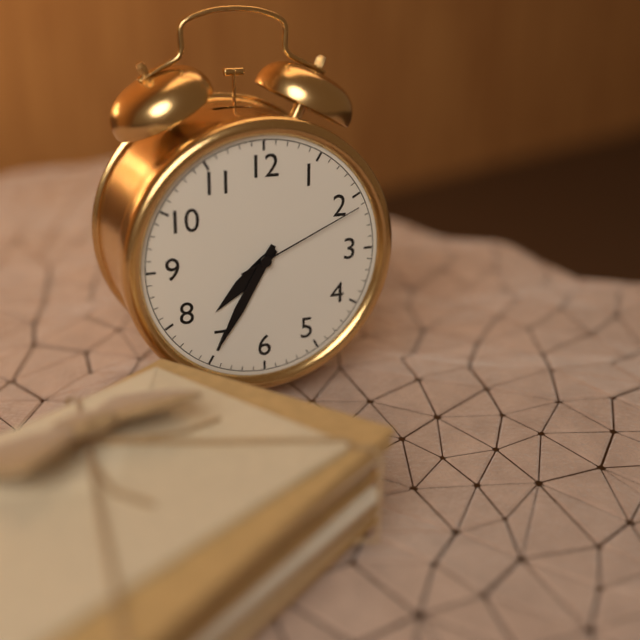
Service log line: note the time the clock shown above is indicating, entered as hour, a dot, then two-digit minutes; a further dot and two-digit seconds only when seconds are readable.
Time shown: 7.35.11
